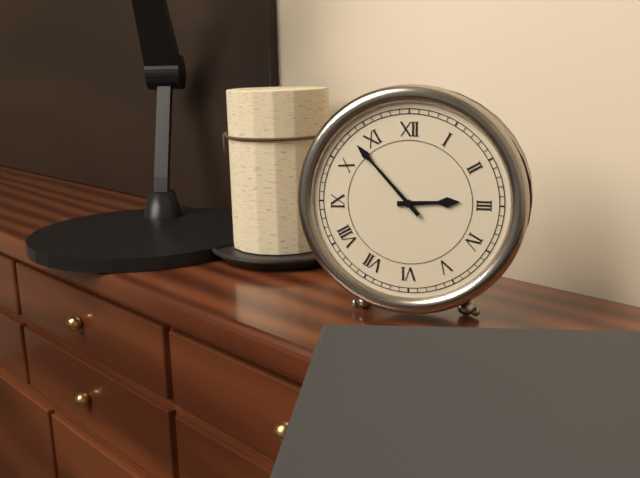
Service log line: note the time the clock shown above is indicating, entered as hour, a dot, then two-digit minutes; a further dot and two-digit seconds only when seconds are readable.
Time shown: 2.53
